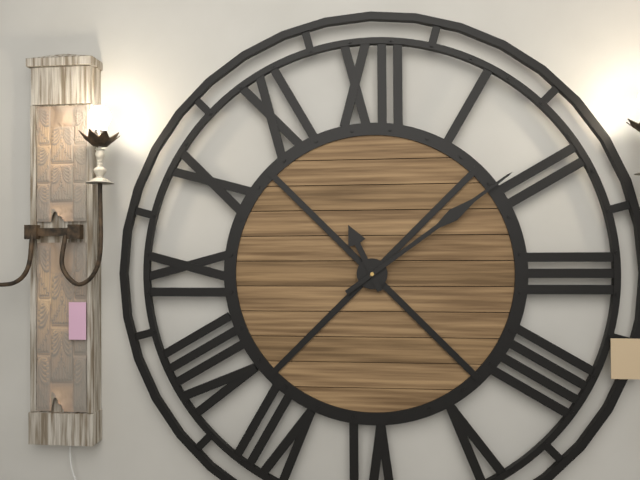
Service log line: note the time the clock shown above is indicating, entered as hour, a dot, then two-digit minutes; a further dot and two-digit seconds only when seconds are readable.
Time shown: 11.09
